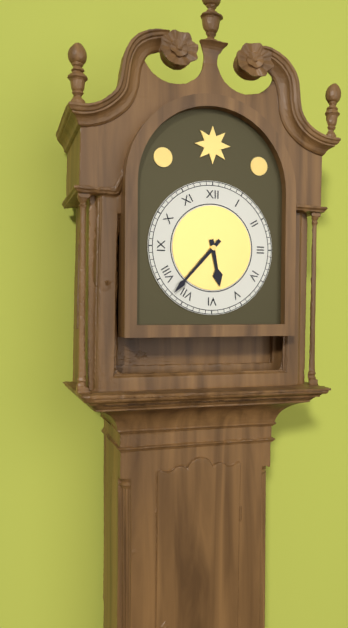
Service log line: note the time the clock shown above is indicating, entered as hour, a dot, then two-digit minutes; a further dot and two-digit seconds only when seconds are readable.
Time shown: 5.37
